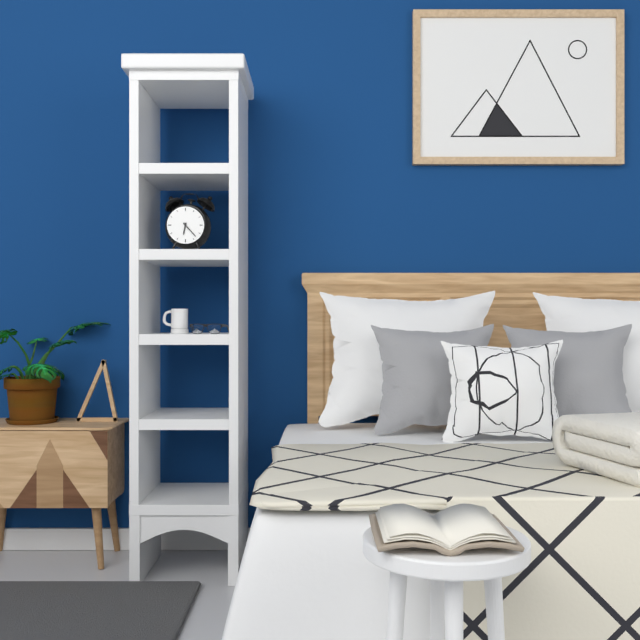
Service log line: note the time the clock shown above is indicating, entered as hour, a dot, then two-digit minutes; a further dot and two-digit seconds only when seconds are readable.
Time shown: 6.23
